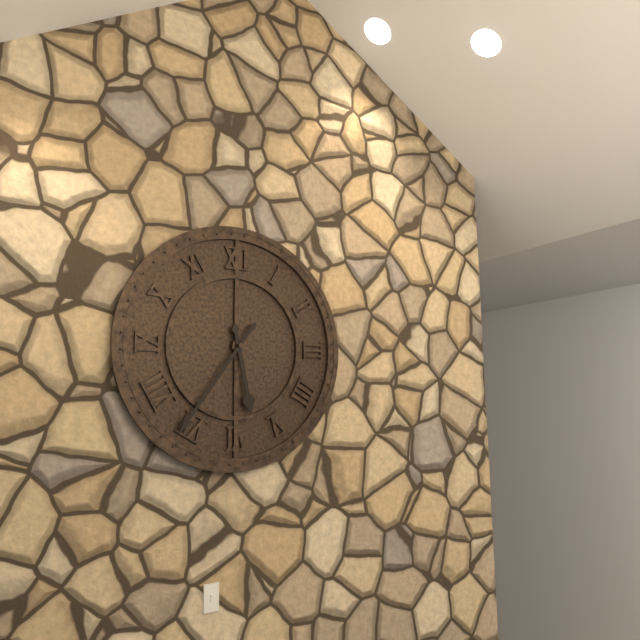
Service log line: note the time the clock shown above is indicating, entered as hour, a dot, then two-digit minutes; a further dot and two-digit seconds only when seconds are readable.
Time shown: 5.36
